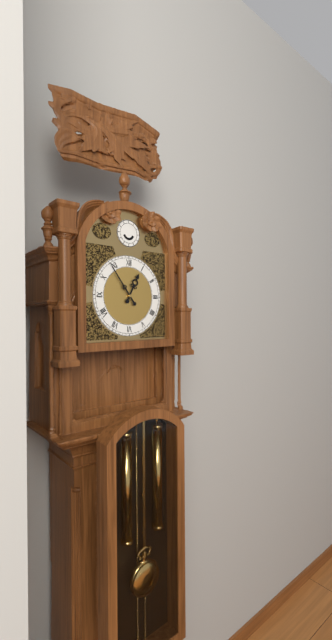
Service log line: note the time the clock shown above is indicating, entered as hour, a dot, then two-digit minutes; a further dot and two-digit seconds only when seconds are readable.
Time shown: 12.54
